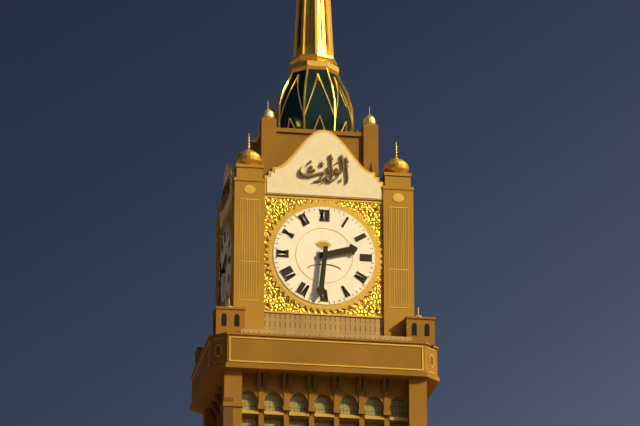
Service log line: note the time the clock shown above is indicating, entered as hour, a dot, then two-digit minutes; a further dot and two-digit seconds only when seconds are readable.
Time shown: 2.31
